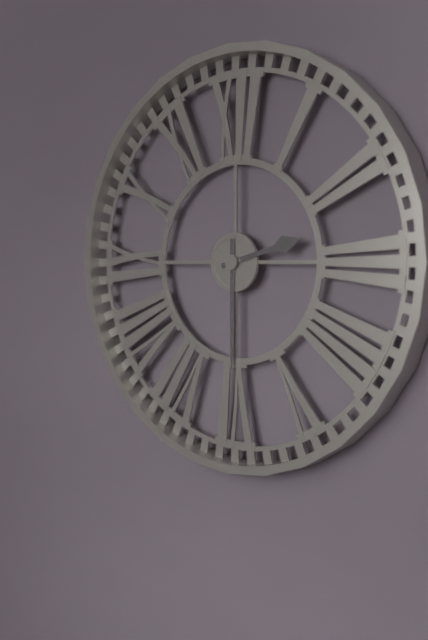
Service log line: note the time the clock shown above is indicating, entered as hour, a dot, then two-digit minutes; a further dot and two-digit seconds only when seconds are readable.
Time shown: 2.30
